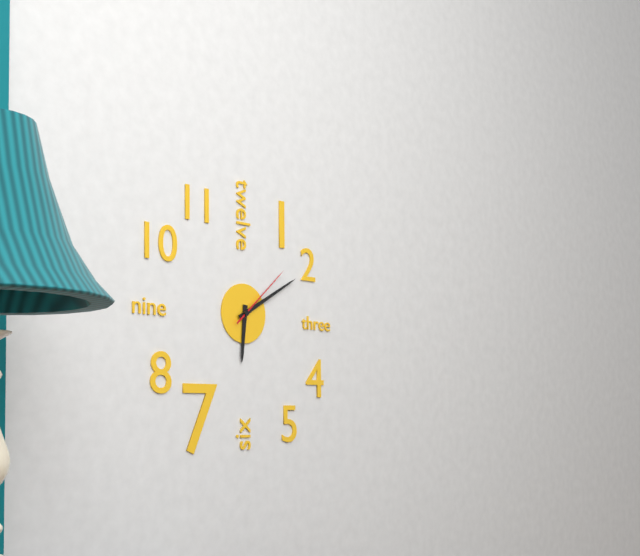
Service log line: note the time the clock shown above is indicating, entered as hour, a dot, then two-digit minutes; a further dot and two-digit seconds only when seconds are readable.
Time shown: 6.10.08
